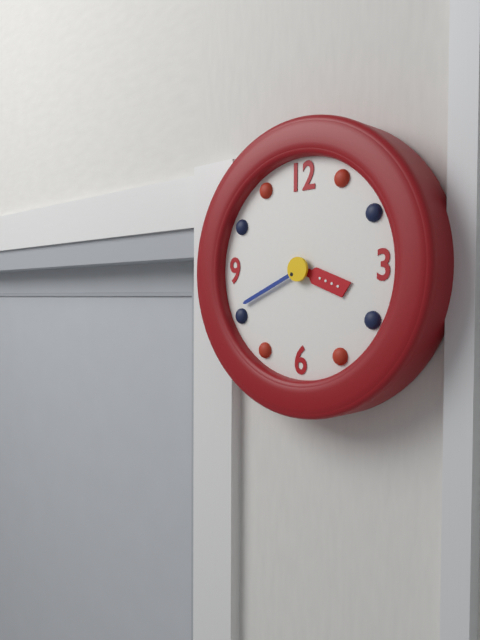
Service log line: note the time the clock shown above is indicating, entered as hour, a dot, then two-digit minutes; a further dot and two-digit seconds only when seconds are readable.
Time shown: 3.41
